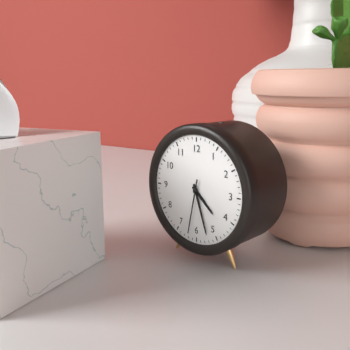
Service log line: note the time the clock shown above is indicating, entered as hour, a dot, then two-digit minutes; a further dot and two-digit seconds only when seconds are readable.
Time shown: 4.27.32
